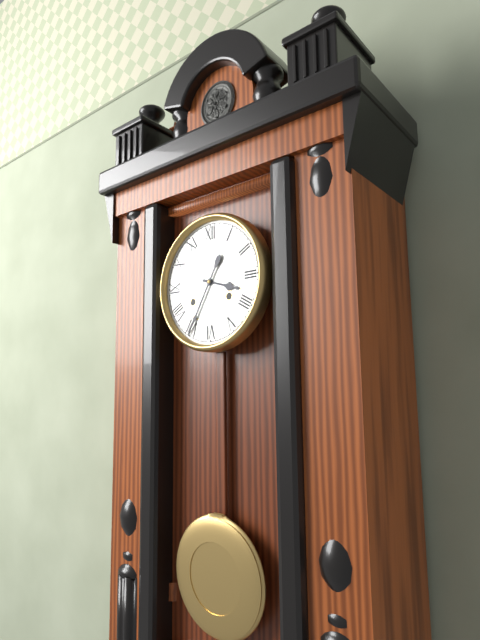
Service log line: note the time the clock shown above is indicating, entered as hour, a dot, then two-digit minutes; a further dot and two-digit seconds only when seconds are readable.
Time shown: 3.35
